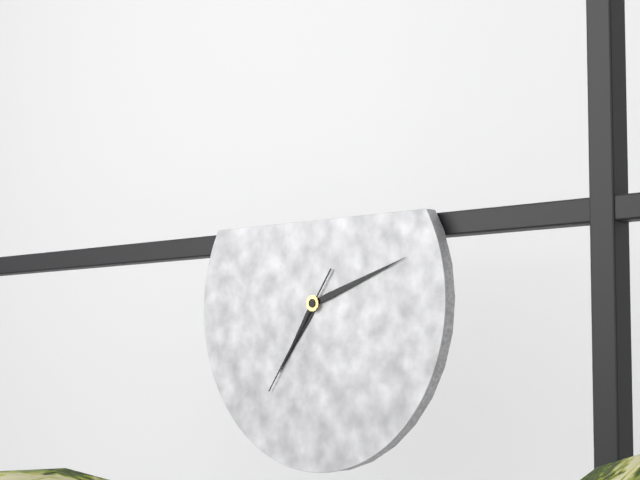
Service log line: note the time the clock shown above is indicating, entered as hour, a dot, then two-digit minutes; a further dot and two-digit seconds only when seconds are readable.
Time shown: 7.12.36
